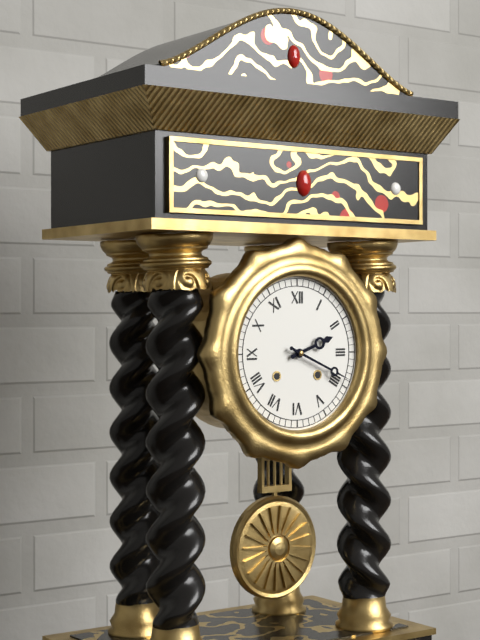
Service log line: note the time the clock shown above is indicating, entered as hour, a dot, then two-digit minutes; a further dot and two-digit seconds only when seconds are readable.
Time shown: 2.19
